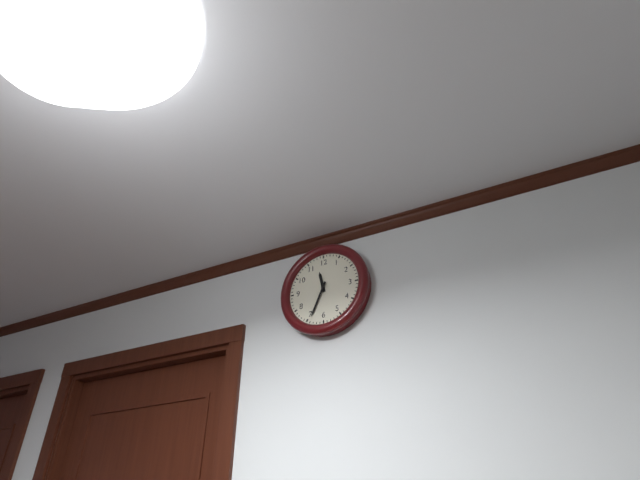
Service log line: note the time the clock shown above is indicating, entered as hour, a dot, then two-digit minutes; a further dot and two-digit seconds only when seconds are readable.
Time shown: 11.34
